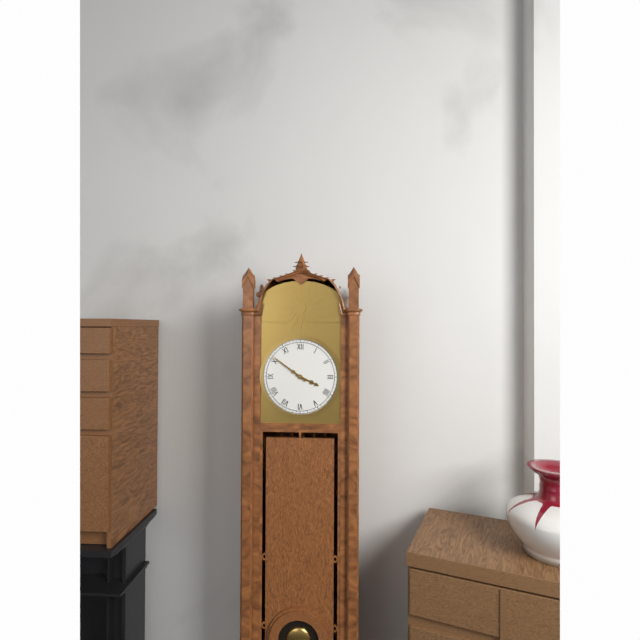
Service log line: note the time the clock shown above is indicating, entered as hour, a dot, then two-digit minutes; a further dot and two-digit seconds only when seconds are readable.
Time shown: 3.51
